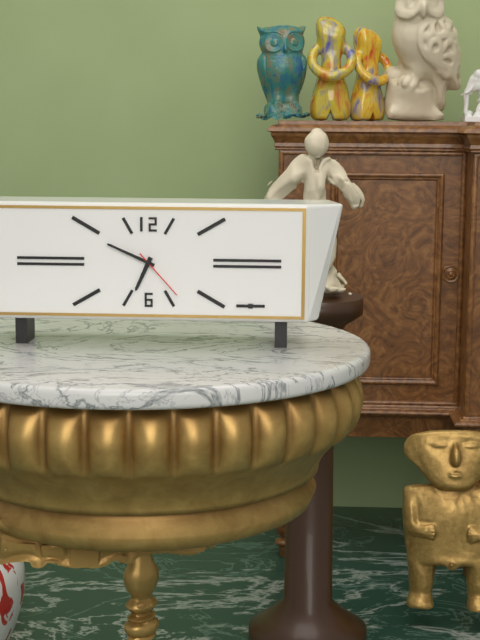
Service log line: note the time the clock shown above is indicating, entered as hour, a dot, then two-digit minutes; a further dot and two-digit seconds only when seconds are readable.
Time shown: 6.49.23
